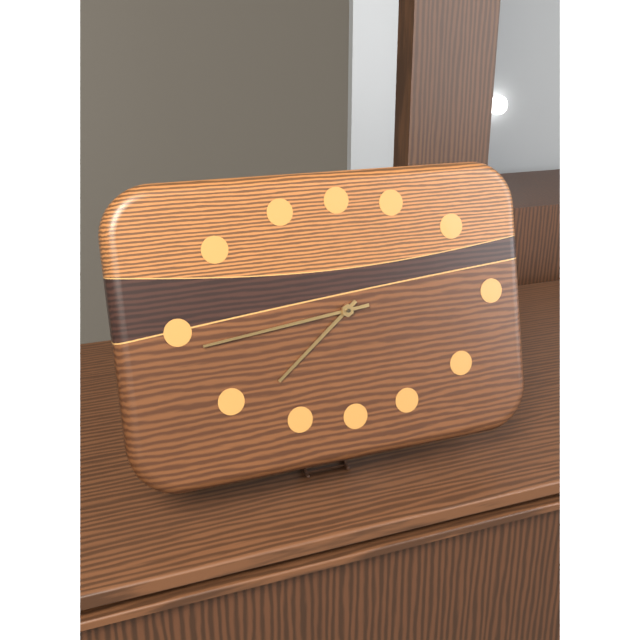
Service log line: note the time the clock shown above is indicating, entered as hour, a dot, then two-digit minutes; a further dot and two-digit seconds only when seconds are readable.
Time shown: 7.44
